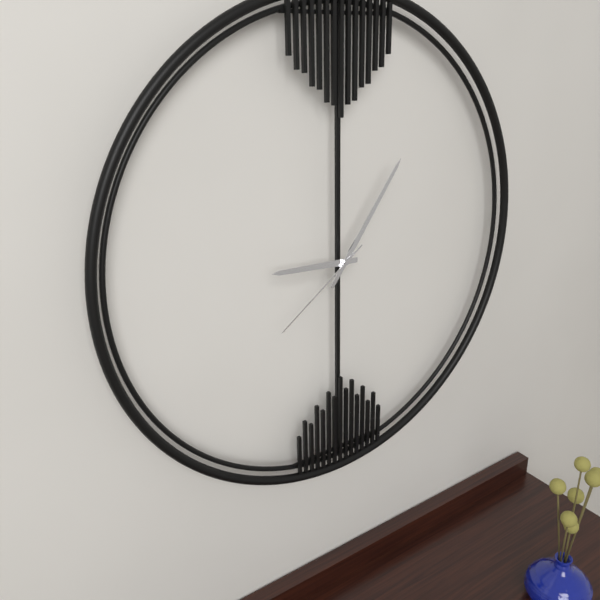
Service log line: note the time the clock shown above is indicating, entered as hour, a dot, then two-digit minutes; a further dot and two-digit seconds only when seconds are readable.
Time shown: 9.06.39
